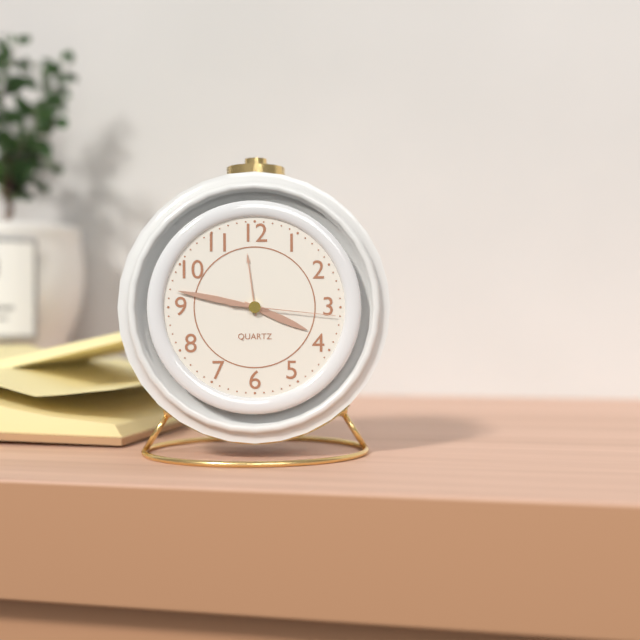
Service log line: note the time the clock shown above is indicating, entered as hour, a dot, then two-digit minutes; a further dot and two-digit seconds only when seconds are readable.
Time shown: 3.47.16
